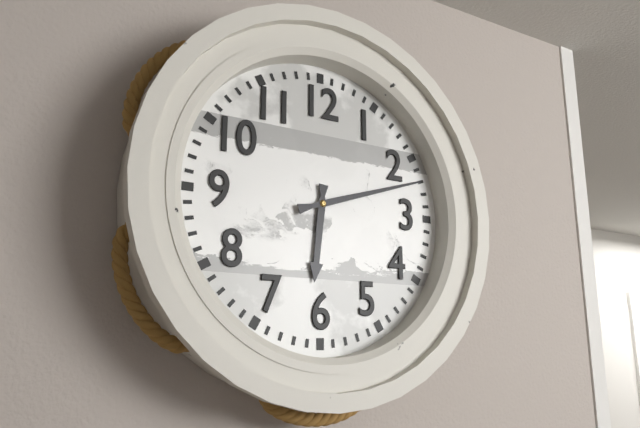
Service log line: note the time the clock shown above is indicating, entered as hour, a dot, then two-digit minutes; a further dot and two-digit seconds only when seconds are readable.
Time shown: 6.12
